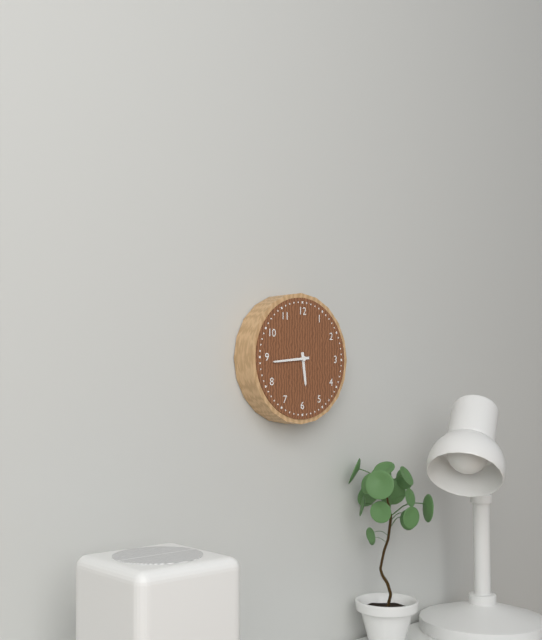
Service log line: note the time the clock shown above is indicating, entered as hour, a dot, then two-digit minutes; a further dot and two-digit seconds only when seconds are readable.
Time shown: 5.44
